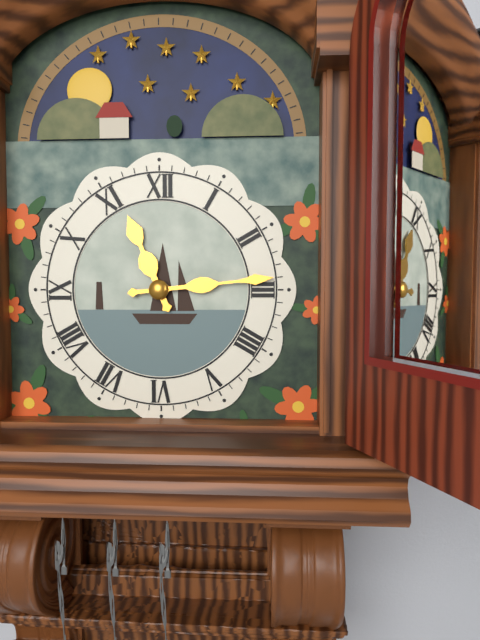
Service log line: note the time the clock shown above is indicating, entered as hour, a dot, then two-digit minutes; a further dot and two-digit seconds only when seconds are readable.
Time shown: 11.14
